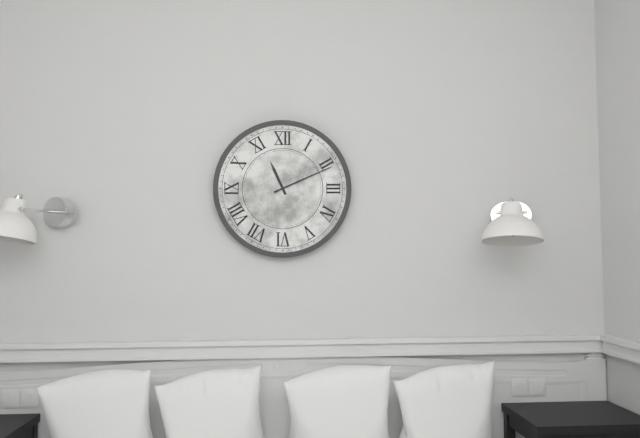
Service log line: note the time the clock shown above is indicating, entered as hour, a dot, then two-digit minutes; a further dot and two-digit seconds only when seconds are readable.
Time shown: 11.11
